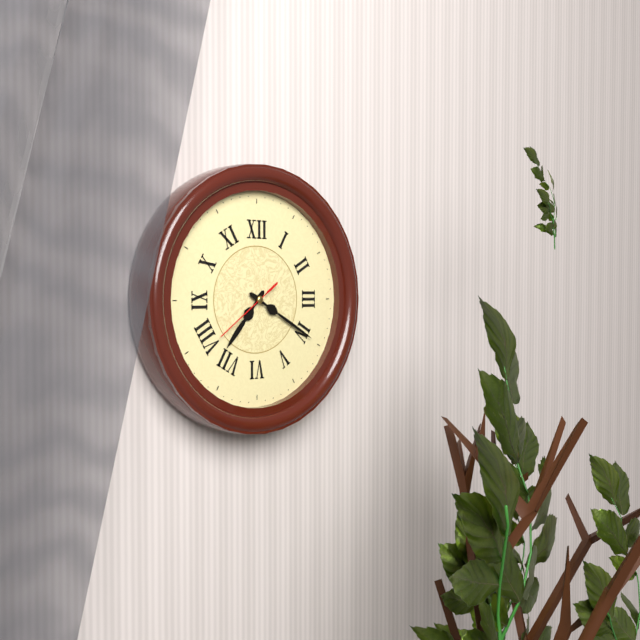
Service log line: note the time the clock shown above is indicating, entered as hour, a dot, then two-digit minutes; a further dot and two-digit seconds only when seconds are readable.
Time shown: 7.20.39
